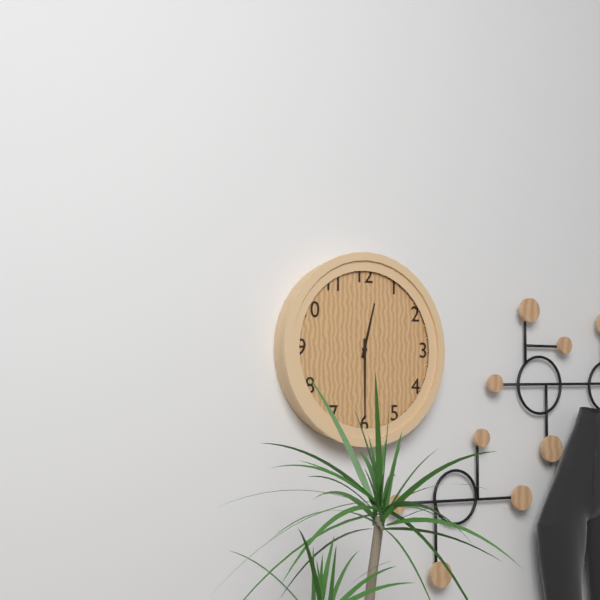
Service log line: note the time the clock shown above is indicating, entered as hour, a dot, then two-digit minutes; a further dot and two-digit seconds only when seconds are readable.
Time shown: 12.30
